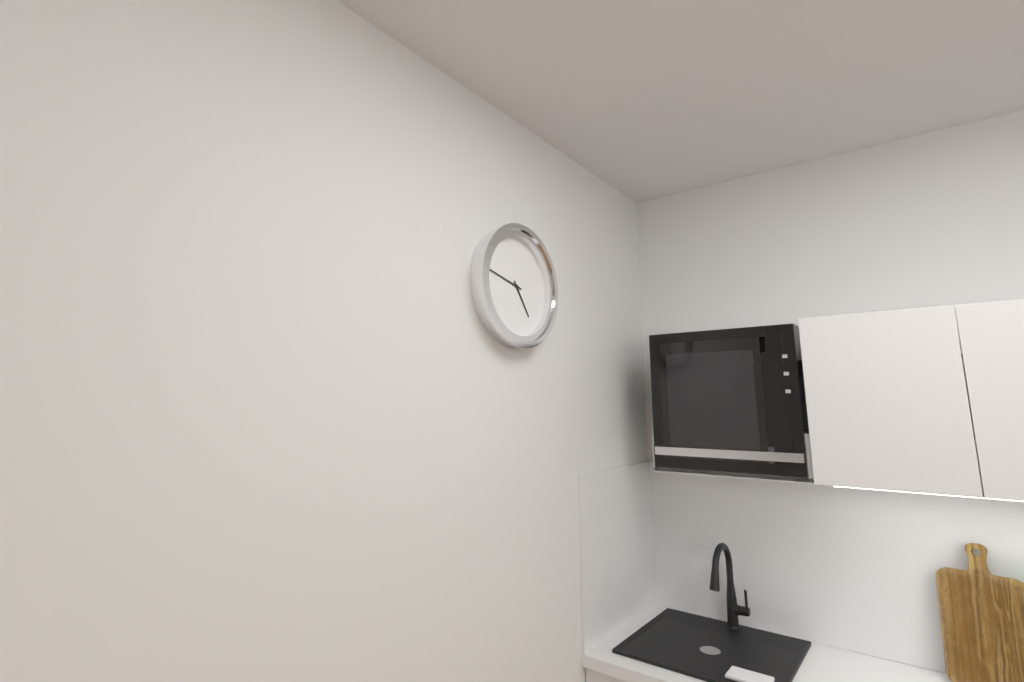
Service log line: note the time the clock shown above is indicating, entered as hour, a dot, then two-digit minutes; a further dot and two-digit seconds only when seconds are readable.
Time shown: 4.47
